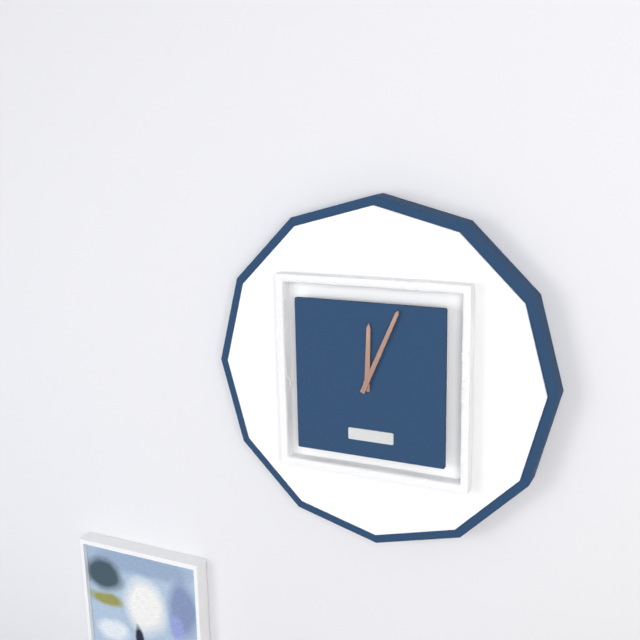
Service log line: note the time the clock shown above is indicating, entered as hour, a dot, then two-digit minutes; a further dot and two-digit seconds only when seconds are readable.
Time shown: 12.04
